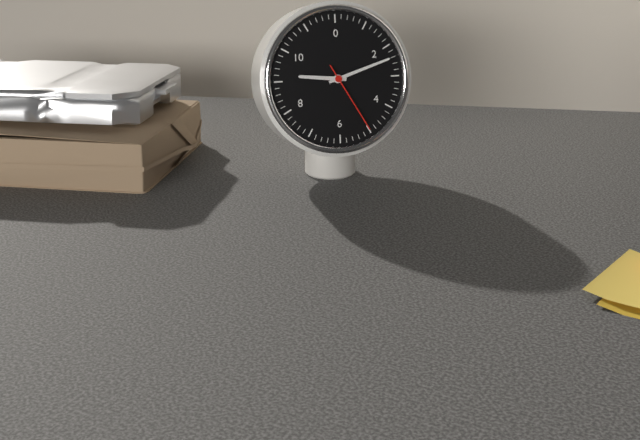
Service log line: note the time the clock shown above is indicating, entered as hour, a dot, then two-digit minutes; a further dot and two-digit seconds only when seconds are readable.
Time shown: 9.12.25
